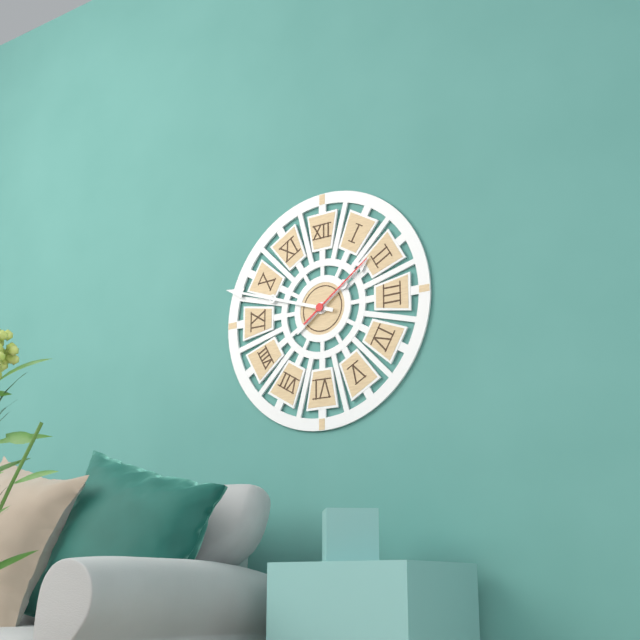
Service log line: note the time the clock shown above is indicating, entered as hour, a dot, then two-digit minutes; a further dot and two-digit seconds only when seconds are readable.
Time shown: 1.48.09
